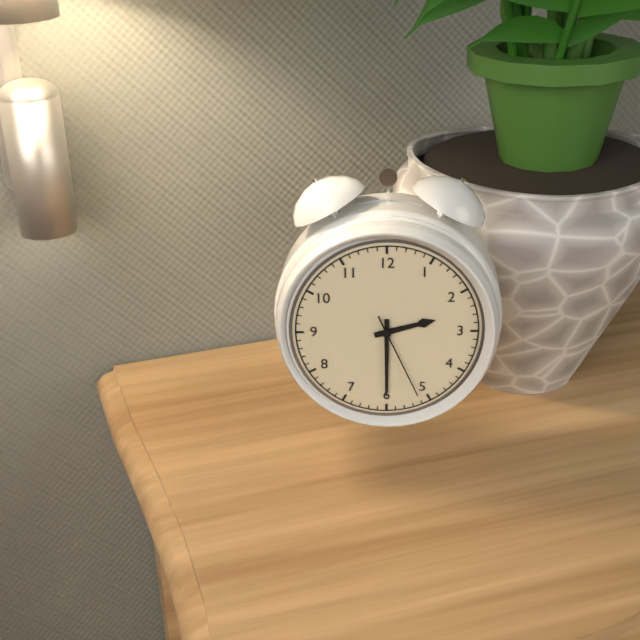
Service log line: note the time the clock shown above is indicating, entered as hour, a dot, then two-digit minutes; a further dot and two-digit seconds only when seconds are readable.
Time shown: 2.30.26
